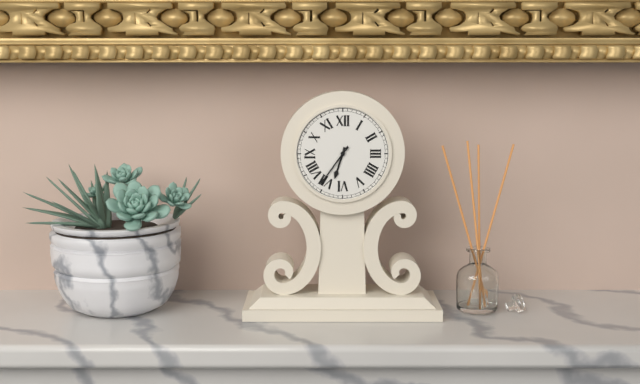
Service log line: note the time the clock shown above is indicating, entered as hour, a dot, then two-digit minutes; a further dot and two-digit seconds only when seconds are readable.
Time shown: 6.36
